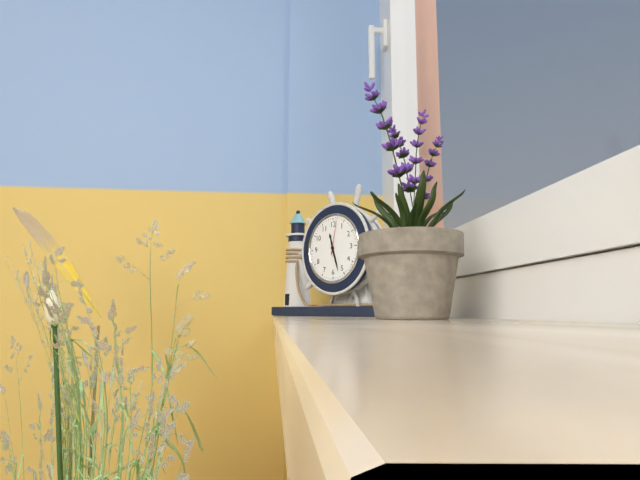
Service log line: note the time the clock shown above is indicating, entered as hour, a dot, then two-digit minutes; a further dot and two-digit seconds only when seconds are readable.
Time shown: 11.27
